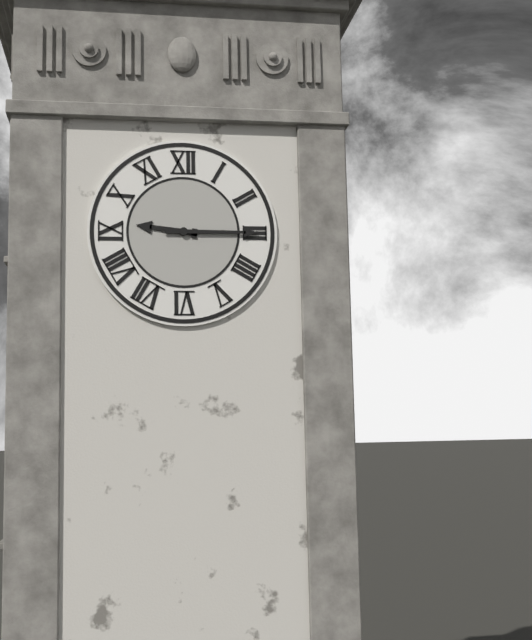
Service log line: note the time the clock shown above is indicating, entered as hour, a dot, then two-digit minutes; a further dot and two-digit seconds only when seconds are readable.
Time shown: 9.15
